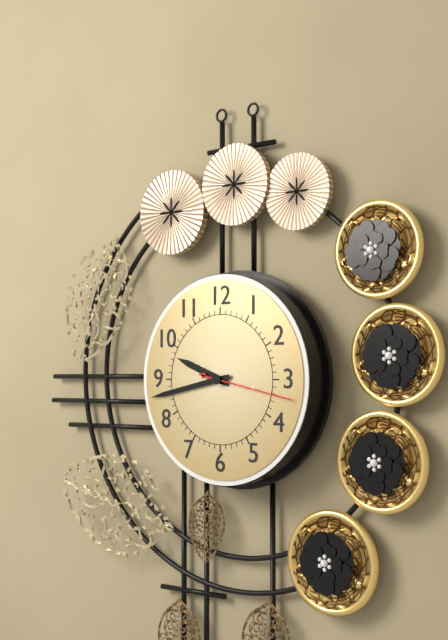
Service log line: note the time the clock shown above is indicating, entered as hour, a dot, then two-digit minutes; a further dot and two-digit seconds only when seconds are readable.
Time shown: 9.43.17
